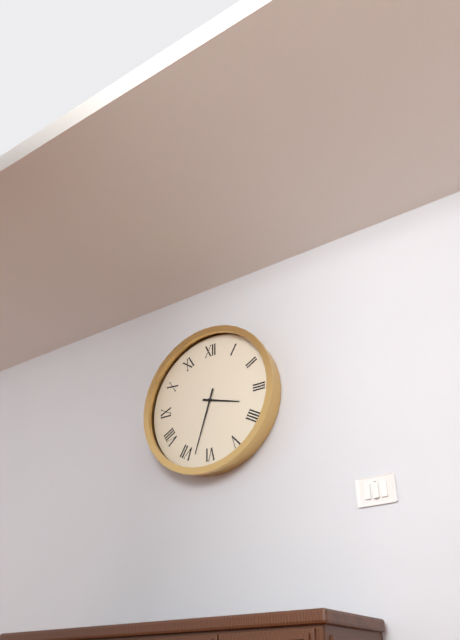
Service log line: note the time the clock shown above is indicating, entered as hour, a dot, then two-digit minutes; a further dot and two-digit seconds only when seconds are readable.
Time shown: 3.33
